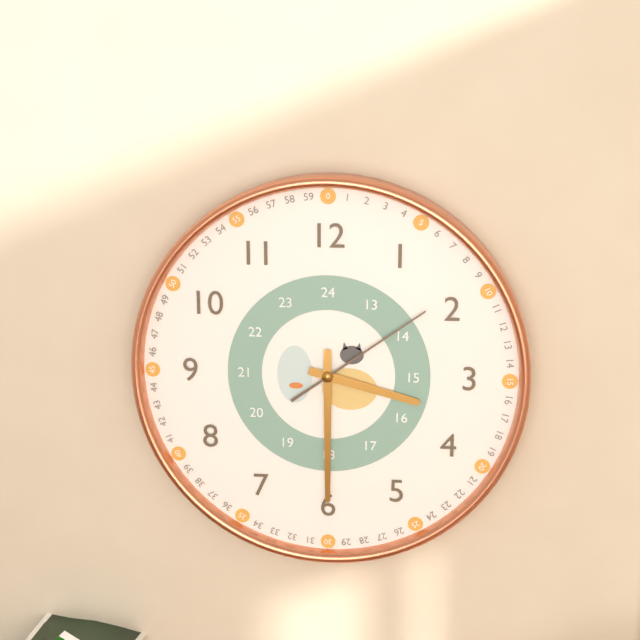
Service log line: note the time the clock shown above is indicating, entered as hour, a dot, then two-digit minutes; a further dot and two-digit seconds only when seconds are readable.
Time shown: 3.30.09
